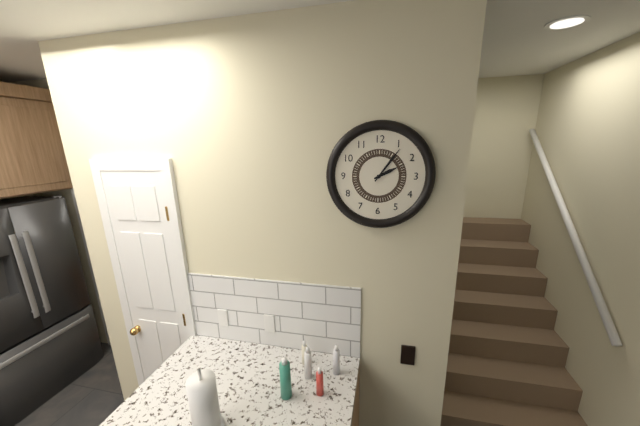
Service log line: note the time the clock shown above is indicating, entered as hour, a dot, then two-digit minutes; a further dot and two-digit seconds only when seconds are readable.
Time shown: 2.06
